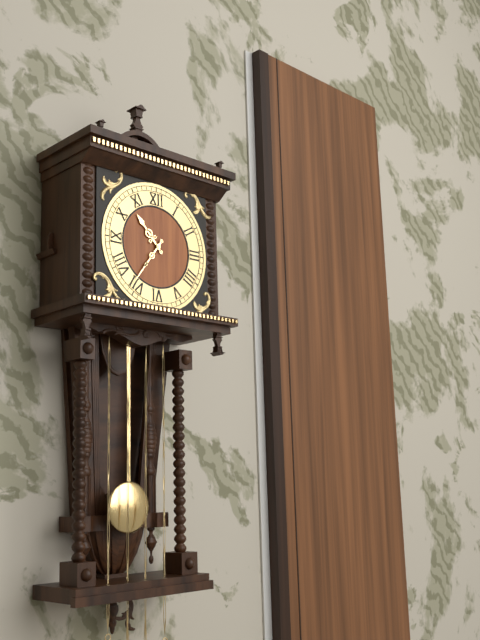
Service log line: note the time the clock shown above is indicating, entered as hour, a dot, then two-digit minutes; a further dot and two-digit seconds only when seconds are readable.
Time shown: 10.36
